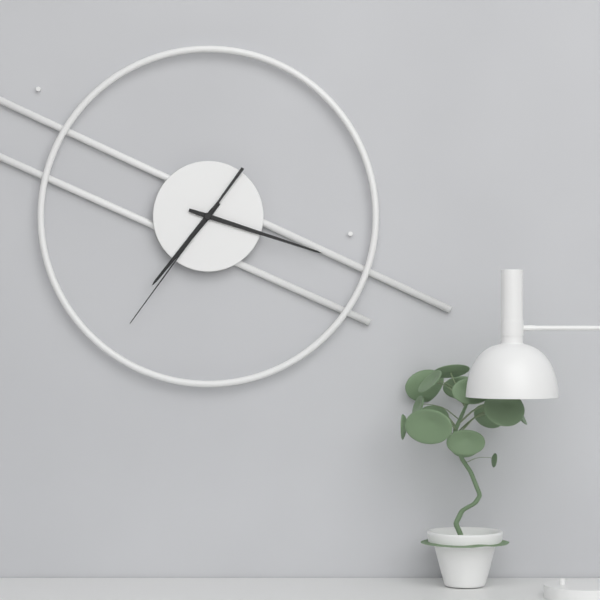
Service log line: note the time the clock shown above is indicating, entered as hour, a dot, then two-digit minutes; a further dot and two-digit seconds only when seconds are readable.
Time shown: 7.18.36
